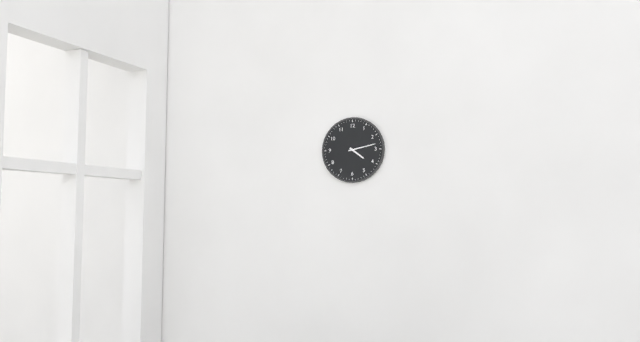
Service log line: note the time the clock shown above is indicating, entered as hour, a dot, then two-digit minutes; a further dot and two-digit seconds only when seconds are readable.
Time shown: 4.13
